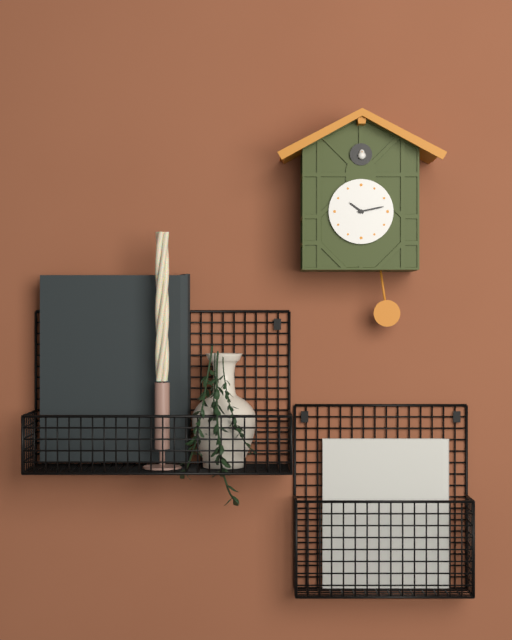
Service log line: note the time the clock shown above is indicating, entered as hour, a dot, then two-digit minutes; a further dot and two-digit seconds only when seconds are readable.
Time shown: 10.13
